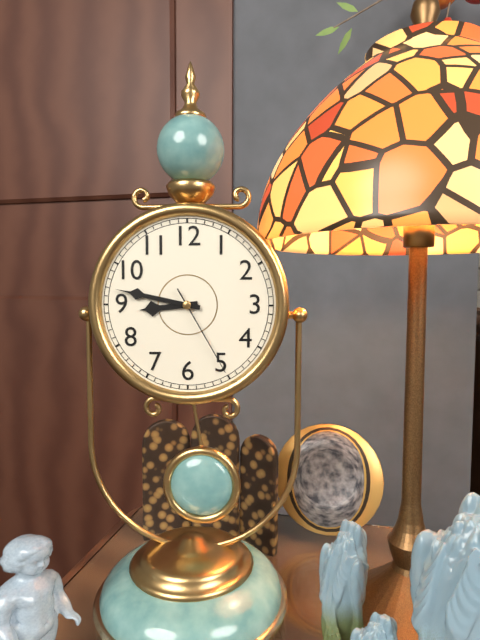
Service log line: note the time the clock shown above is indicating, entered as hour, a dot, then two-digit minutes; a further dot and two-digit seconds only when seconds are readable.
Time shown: 8.47.25
